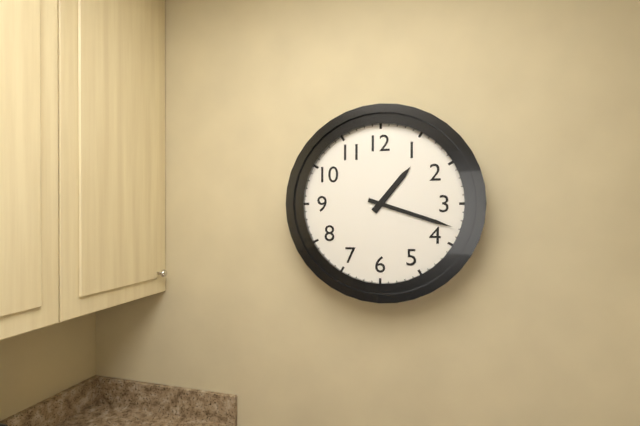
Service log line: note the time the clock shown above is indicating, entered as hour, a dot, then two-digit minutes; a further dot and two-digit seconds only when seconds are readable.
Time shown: 1.18
